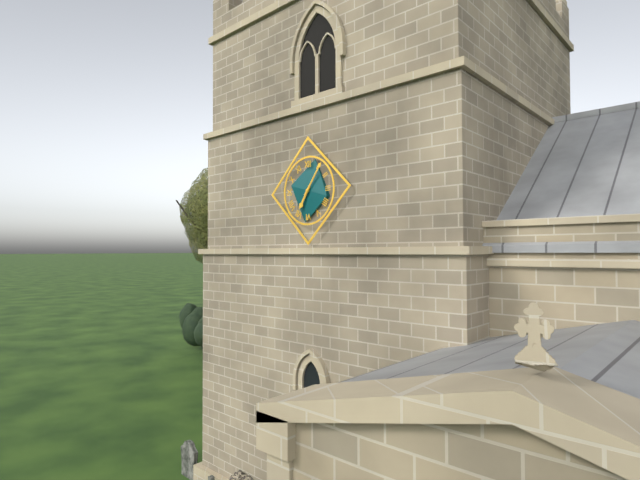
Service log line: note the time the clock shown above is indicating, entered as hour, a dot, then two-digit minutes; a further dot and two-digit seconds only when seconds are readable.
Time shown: 7.06
